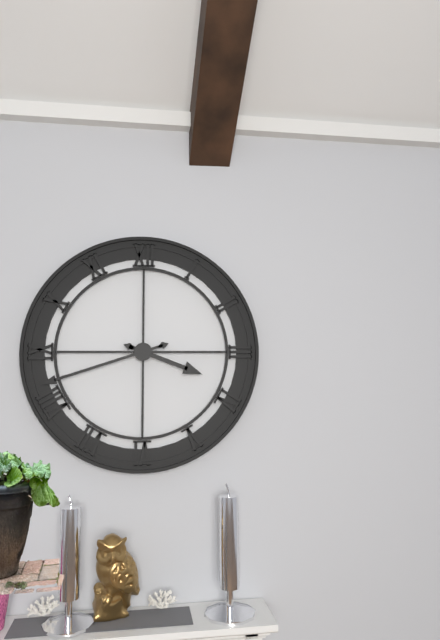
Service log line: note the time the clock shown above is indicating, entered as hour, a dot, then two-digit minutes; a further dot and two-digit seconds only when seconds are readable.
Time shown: 3.42
